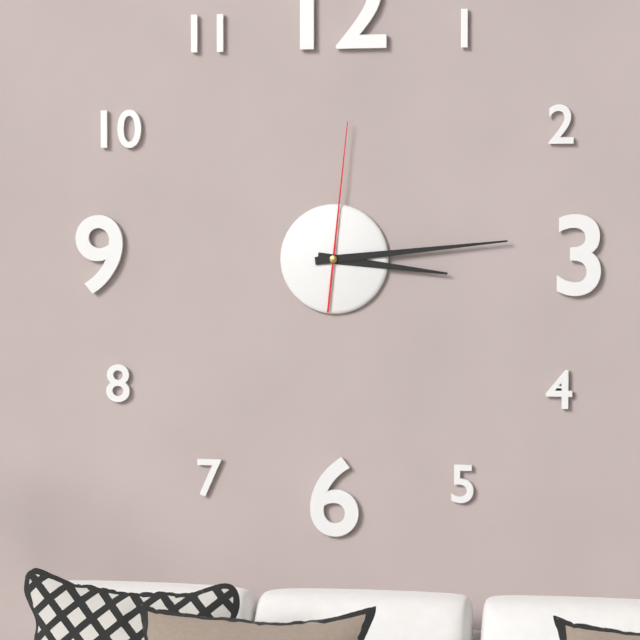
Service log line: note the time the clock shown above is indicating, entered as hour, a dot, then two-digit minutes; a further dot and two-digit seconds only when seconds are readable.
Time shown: 3.14.01
